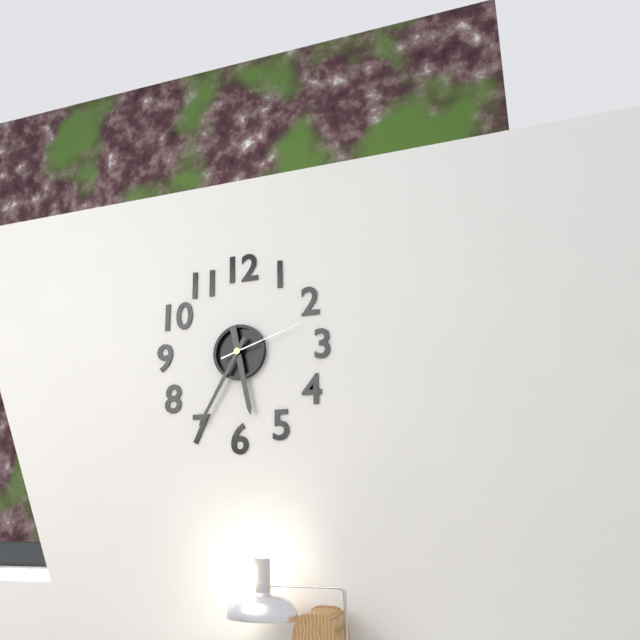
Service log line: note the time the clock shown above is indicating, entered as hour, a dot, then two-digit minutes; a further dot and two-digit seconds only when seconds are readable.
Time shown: 5.35.12
